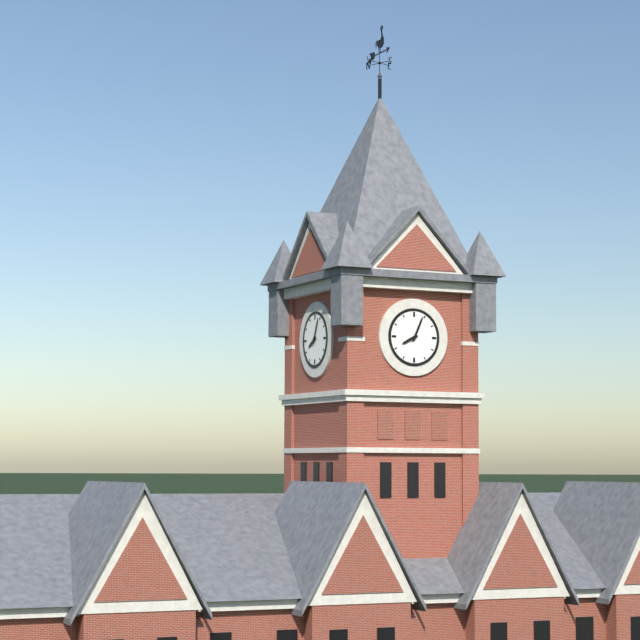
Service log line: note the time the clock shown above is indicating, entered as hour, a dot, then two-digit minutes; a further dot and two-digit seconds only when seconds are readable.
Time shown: 8.04
